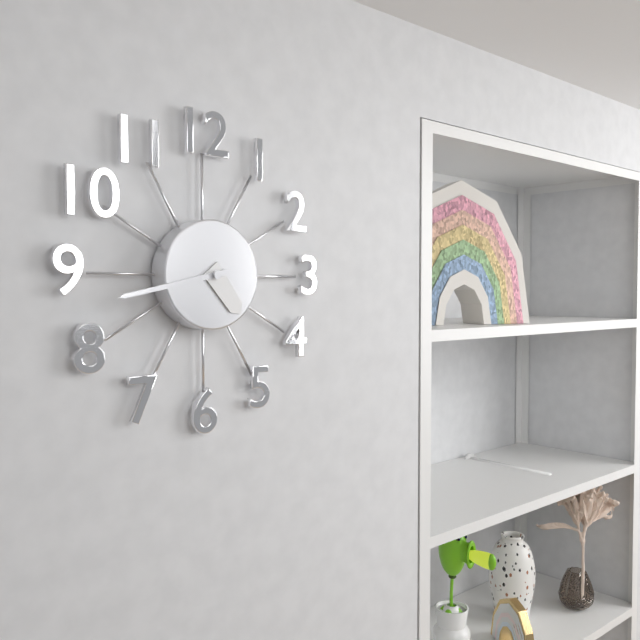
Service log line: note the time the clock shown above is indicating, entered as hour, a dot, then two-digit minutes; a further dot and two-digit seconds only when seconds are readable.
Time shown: 4.43
